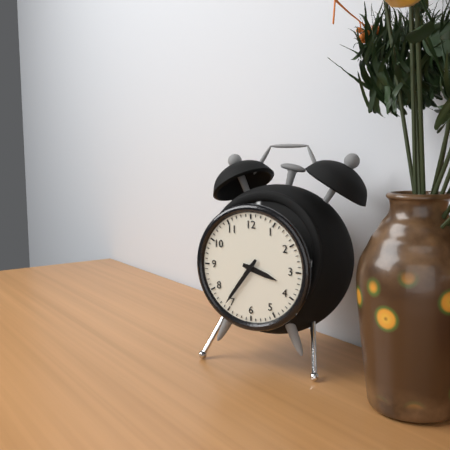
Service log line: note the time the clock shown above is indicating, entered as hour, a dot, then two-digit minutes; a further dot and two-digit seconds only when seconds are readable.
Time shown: 3.36
